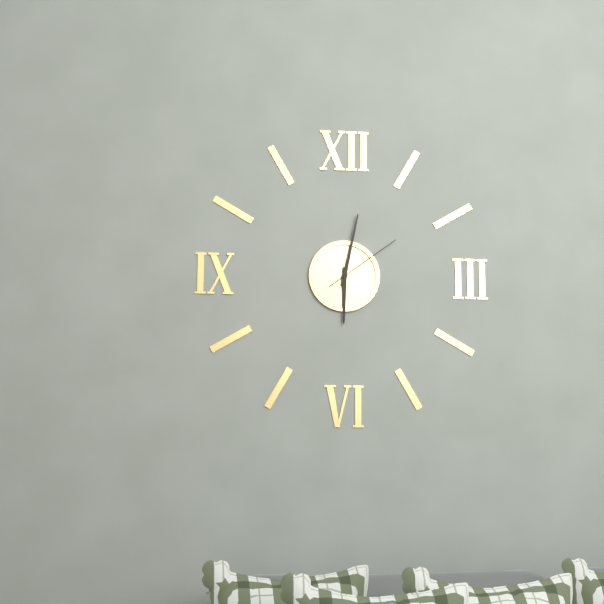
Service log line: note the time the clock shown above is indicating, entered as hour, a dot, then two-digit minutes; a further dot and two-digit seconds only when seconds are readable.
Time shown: 6.02.09
